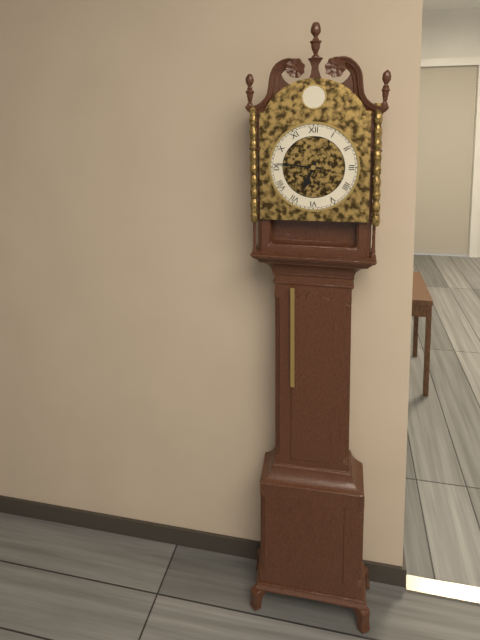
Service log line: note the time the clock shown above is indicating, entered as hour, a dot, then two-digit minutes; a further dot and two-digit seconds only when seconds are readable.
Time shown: 6.46
